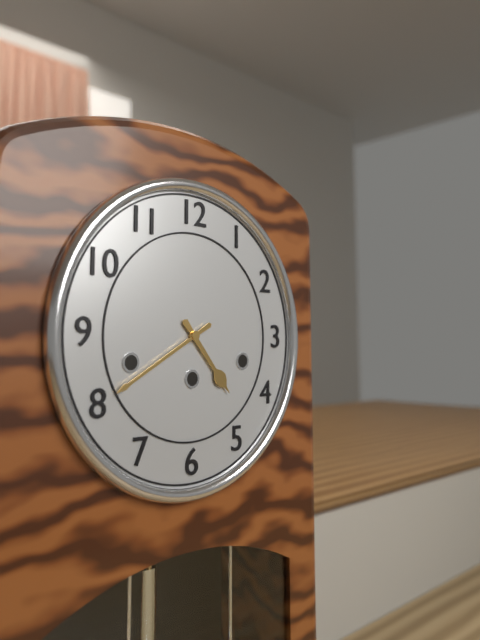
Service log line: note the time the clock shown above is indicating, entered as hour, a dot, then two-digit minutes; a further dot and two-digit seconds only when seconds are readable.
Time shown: 4.40
